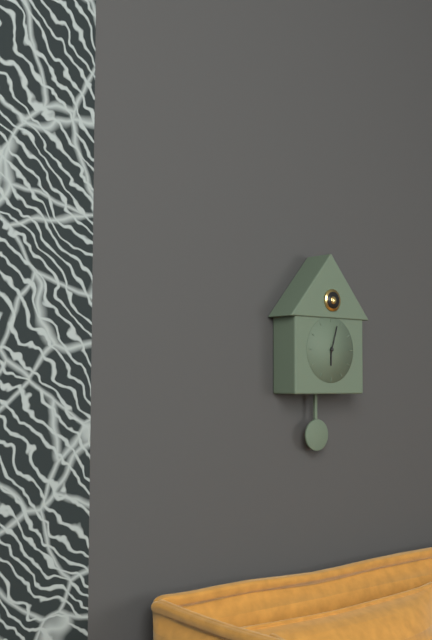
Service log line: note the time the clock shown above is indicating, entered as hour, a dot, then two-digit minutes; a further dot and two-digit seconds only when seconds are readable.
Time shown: 6.03
